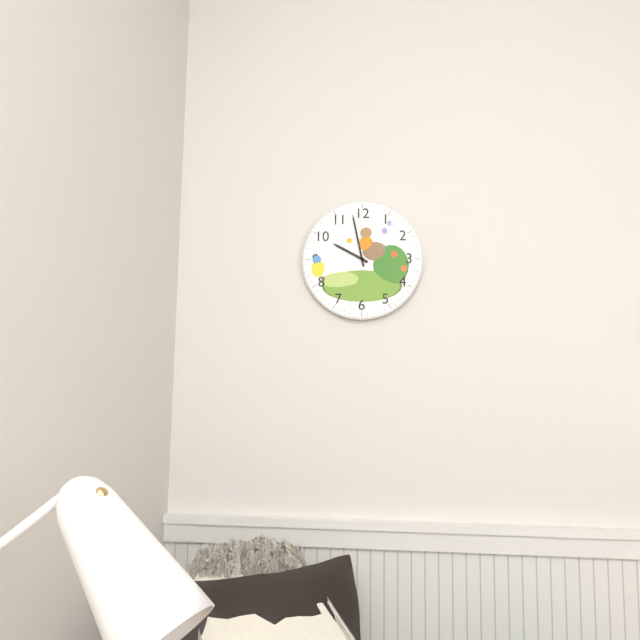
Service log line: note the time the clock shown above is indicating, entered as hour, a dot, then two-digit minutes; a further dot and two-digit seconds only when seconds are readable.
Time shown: 9.58
